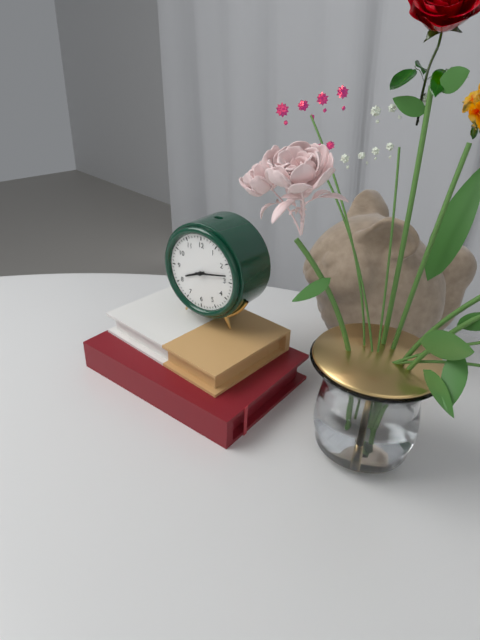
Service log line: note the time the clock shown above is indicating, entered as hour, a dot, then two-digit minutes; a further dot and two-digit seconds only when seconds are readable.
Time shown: 8.13
